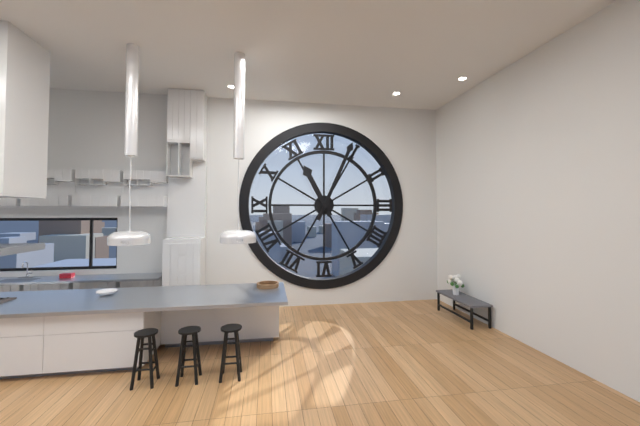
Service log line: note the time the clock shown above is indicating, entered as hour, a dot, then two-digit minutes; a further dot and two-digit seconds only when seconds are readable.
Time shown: 11.04
